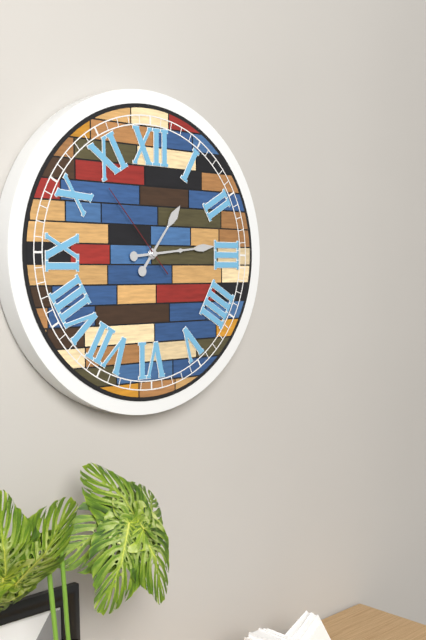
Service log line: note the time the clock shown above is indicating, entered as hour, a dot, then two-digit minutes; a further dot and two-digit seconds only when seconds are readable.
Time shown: 1.14.53
